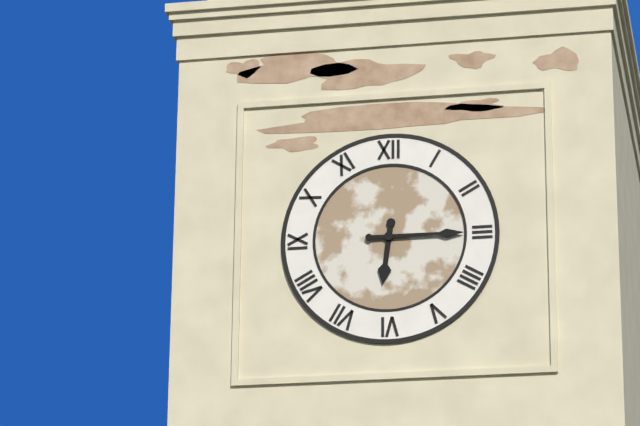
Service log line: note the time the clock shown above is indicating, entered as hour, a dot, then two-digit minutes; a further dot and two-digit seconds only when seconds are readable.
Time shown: 6.15
